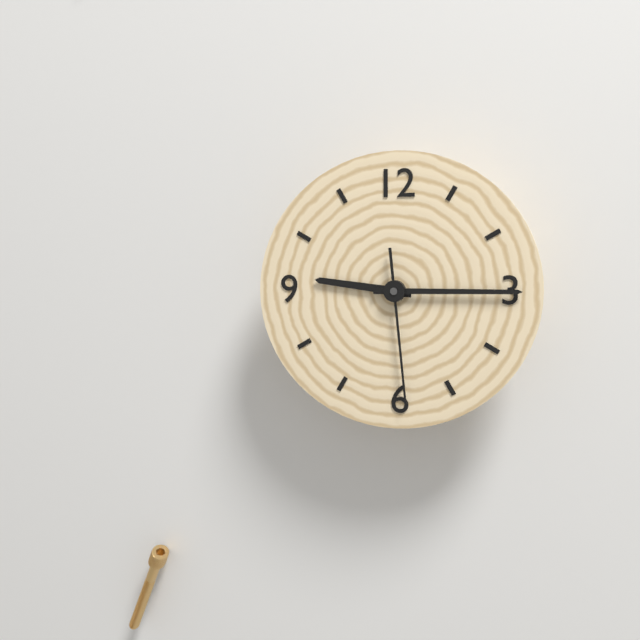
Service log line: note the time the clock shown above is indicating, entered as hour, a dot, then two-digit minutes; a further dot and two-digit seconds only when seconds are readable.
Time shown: 9.15.29
